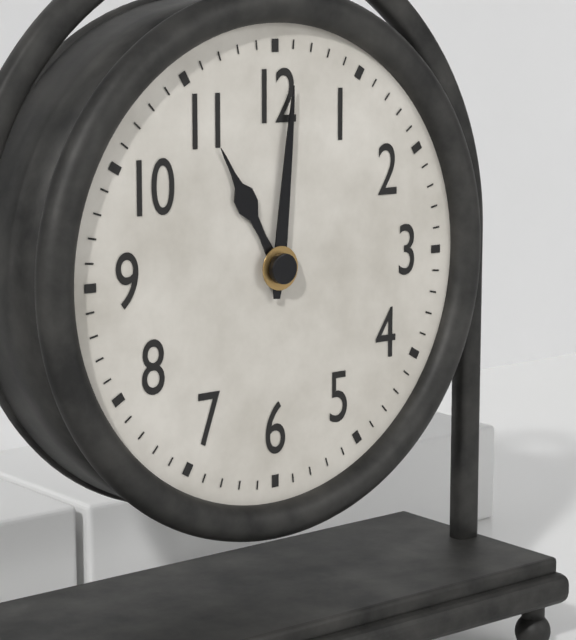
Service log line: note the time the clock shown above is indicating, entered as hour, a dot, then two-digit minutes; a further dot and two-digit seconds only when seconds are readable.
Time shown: 11.01
